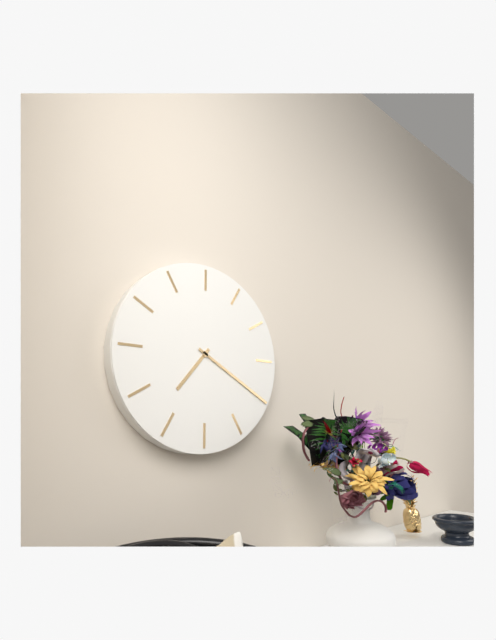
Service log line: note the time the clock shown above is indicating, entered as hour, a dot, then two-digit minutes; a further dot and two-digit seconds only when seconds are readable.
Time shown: 7.20
